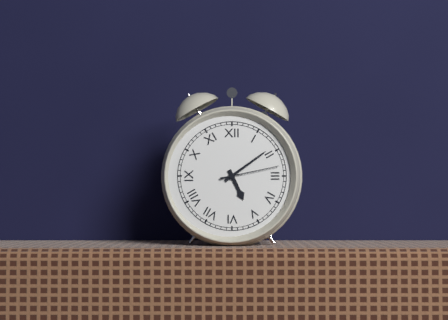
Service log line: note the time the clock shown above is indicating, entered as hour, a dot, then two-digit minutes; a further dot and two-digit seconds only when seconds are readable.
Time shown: 5.09.13
